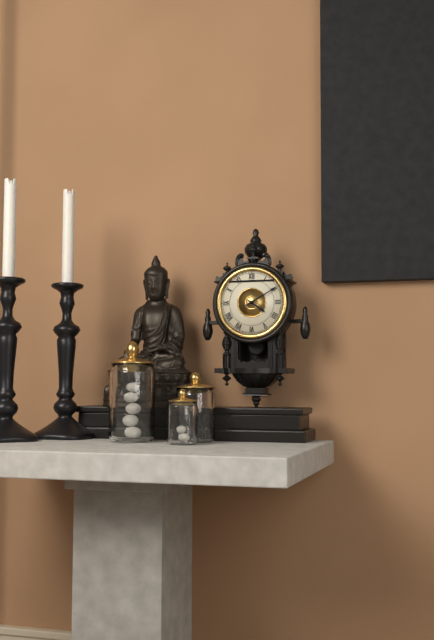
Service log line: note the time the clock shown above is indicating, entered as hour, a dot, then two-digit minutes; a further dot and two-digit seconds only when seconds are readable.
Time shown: 4.10
